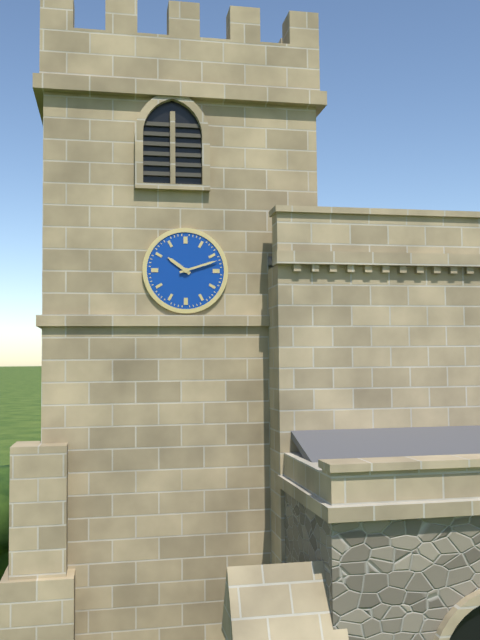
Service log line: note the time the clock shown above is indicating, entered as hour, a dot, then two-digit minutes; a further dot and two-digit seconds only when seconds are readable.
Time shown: 10.12
